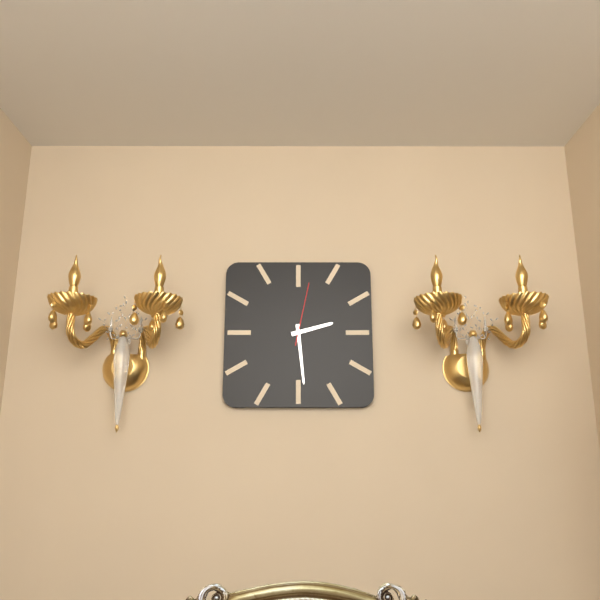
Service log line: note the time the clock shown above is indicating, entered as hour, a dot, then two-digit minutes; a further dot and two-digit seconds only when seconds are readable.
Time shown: 2.29.02
